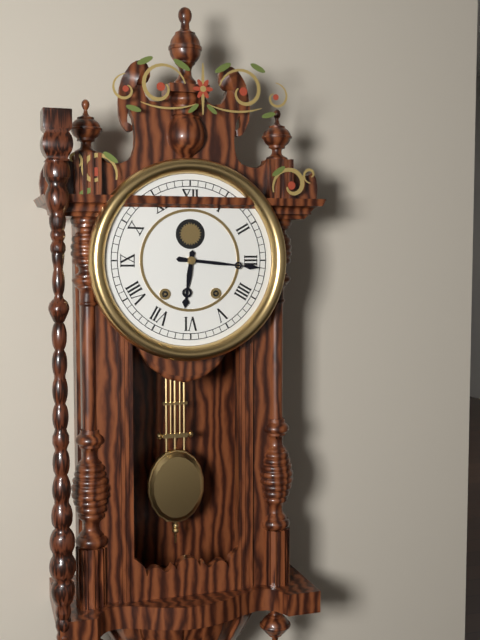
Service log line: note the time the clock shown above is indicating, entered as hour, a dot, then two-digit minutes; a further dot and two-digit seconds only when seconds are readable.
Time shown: 6.16
